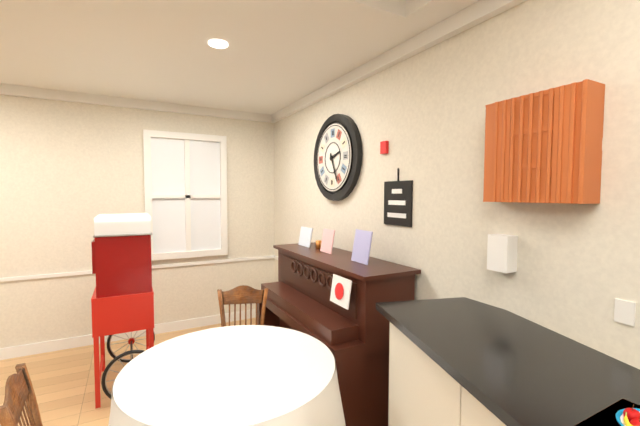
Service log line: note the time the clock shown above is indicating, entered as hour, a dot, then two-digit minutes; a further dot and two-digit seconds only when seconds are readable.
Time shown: 2.26
